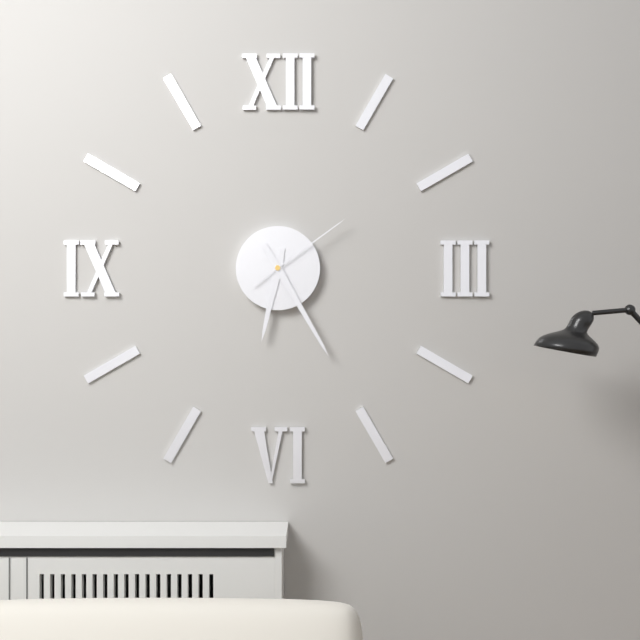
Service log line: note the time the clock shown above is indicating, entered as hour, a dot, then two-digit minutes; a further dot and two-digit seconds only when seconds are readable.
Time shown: 6.25.09
